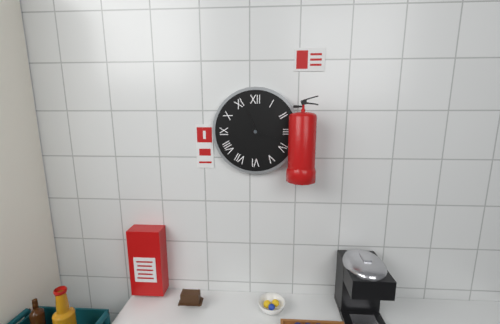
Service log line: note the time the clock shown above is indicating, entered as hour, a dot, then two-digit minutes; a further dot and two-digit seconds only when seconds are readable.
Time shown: 11.18
